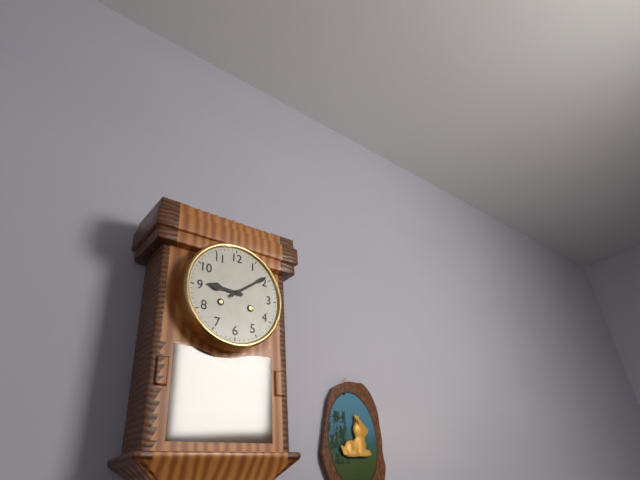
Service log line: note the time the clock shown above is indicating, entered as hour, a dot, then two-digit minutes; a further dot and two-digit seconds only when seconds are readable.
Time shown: 9.09
